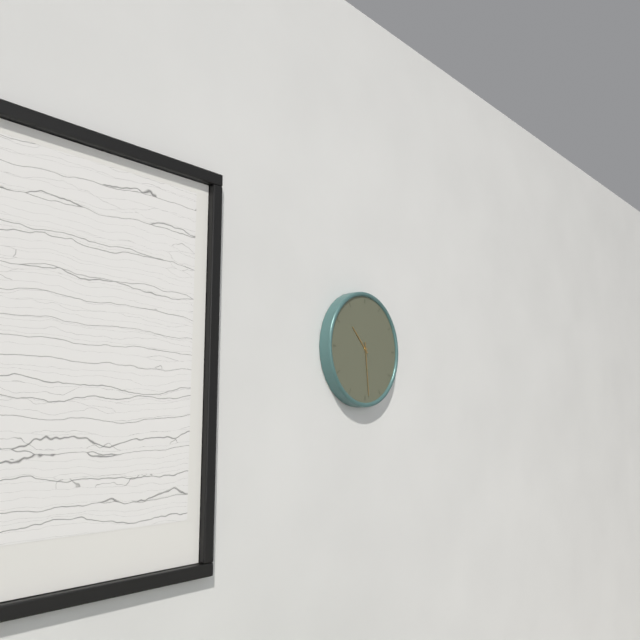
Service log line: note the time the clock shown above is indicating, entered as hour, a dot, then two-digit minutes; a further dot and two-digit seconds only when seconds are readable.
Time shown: 10.29
